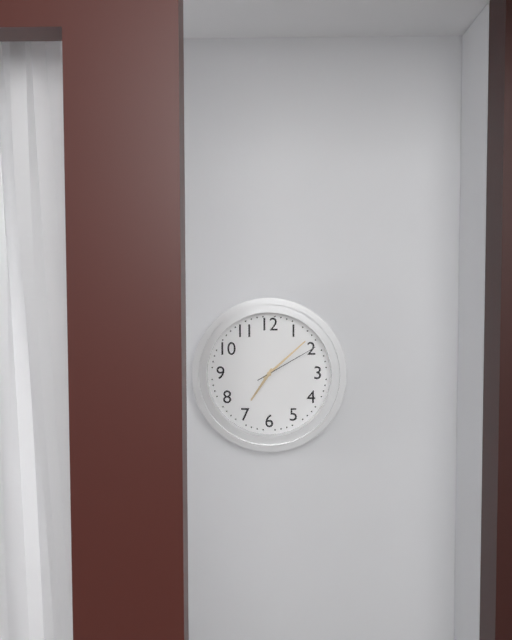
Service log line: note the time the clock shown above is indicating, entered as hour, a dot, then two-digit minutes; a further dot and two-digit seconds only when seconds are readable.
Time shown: 7.08.10
